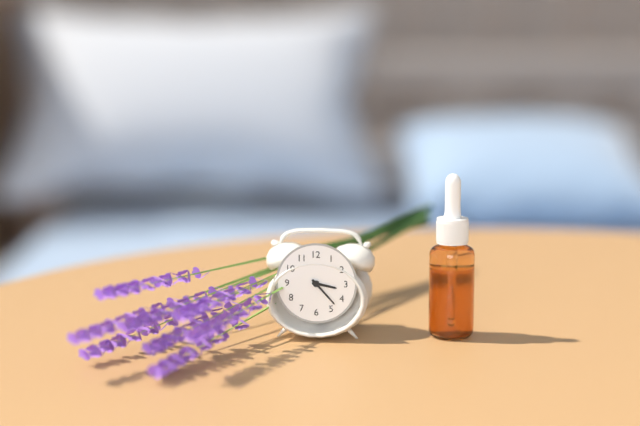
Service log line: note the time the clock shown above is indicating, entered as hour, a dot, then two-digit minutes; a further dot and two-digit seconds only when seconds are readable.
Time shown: 3.23
